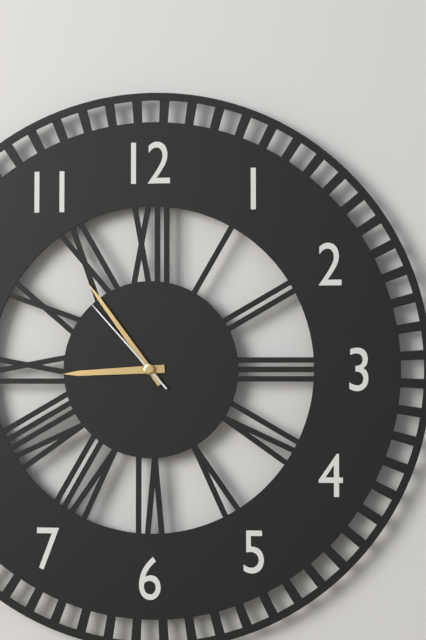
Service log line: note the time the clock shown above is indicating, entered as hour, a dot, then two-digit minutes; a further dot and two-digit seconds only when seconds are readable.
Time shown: 8.54.53
